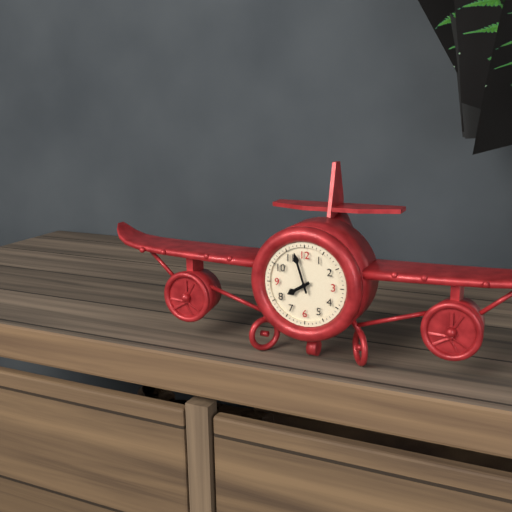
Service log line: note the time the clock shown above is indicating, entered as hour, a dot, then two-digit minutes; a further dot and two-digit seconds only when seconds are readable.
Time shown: 7.57
